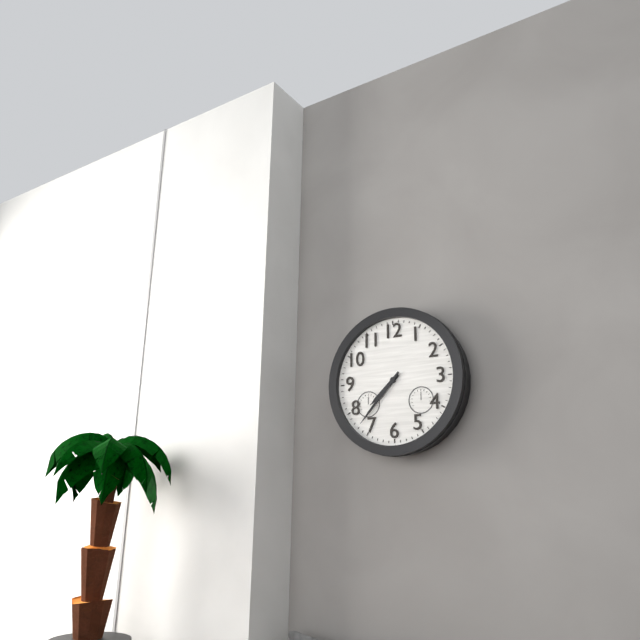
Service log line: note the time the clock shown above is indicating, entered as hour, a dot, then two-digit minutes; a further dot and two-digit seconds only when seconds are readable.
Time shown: 7.37
